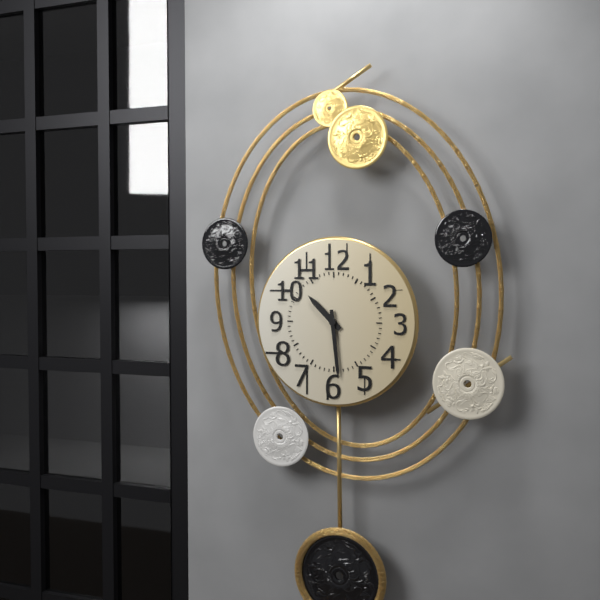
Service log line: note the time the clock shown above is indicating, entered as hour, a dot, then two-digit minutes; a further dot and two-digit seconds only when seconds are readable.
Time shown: 10.29
